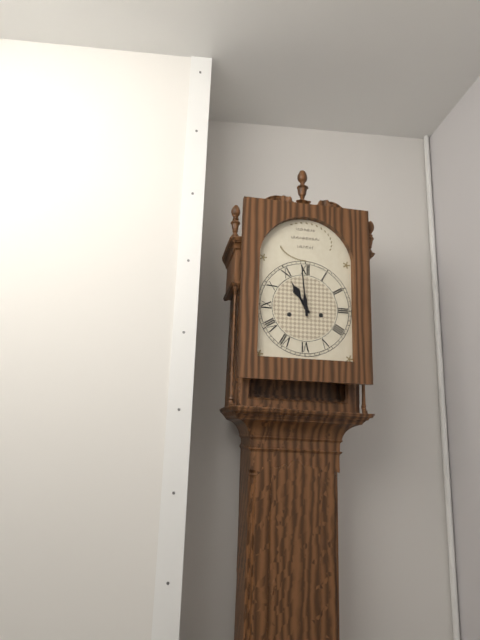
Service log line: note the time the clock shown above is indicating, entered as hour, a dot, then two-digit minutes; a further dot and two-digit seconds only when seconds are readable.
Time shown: 10.59
